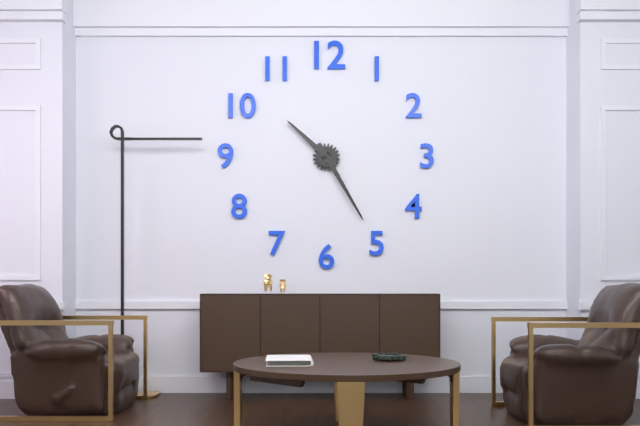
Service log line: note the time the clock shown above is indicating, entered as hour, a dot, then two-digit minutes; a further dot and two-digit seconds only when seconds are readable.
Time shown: 10.25
